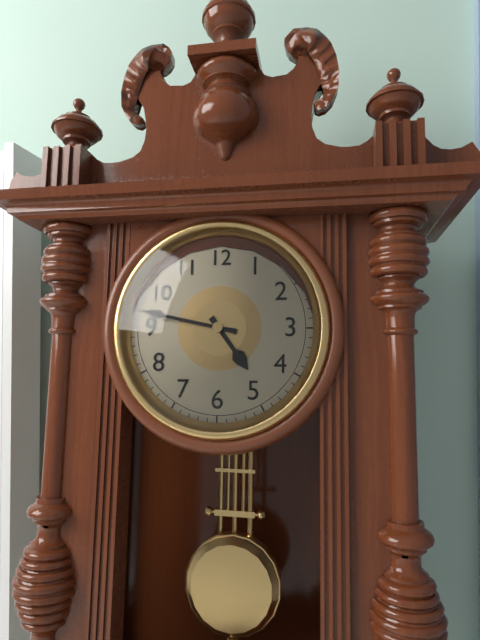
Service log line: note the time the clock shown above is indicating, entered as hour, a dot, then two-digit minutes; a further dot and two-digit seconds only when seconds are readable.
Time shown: 4.47
